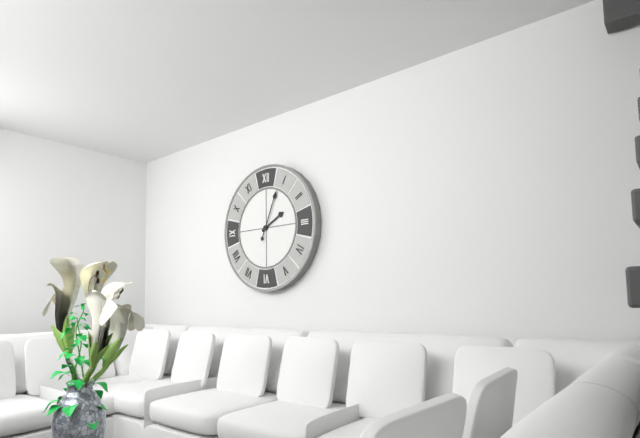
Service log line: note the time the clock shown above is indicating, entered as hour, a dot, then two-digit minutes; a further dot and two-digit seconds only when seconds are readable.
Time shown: 2.04
